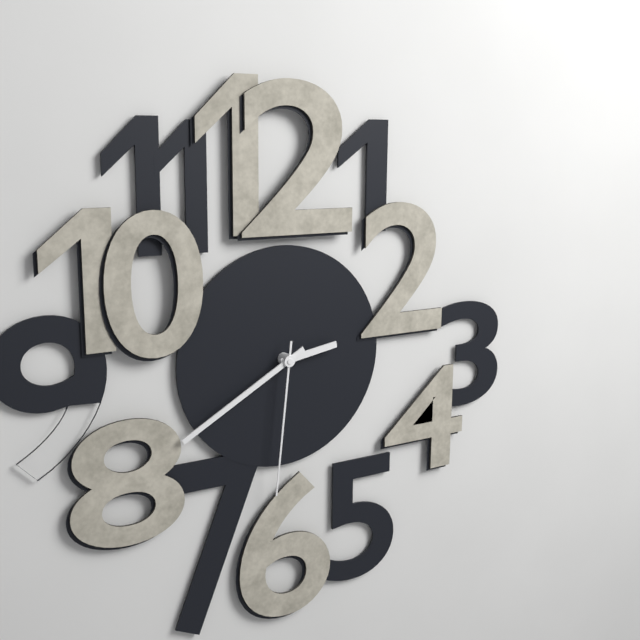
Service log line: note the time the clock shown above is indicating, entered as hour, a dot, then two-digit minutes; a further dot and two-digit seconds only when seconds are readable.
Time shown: 2.40.31
